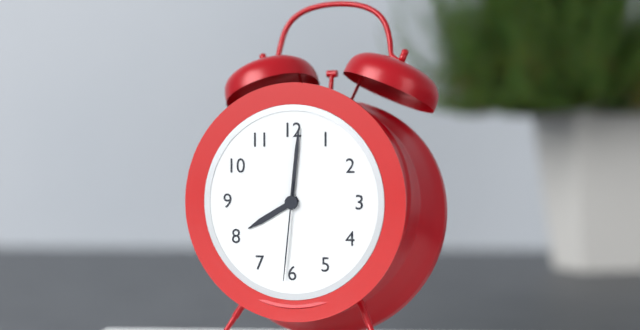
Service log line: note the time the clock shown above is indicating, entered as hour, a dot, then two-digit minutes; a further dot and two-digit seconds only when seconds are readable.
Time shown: 8.01.31
